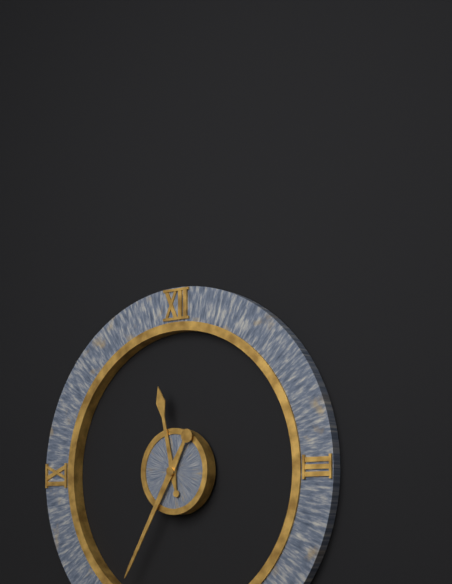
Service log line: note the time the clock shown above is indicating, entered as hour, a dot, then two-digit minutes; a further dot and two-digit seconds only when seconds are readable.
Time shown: 11.35
